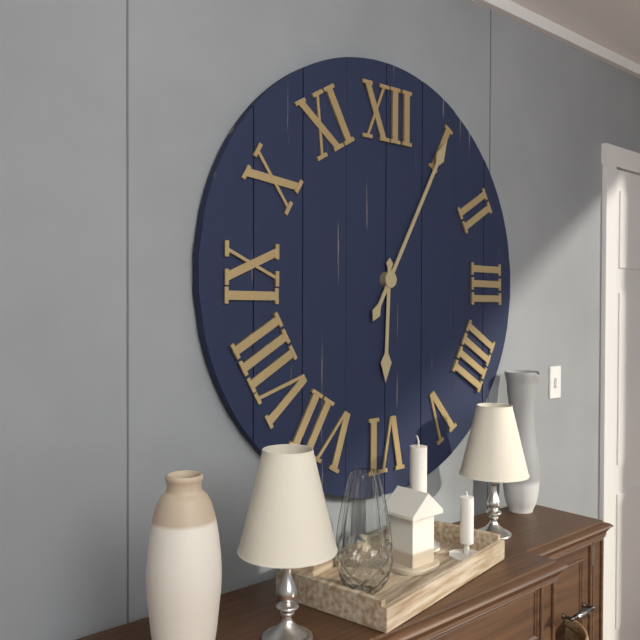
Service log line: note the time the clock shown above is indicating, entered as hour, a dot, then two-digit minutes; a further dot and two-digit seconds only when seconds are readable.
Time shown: 6.05
